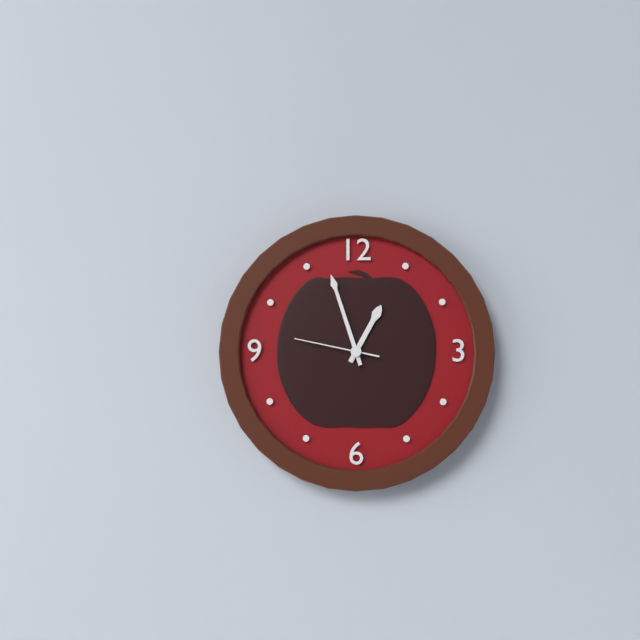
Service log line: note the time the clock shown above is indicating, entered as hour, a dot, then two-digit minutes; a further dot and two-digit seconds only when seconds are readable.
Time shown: 12.57.47
